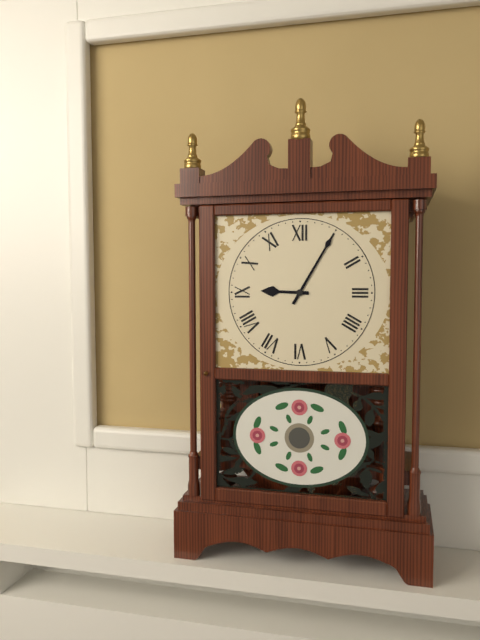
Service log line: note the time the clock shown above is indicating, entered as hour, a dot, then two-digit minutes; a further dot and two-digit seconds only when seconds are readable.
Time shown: 9.05
